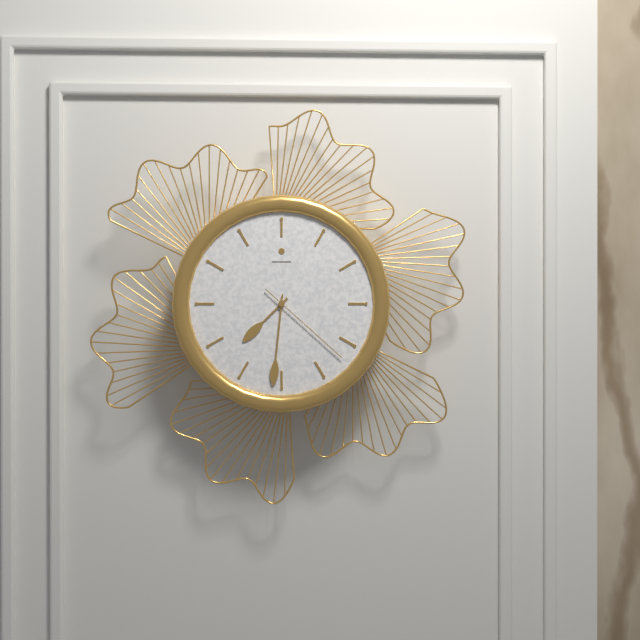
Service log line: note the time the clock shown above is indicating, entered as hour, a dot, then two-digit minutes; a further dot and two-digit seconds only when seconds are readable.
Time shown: 7.31.22
